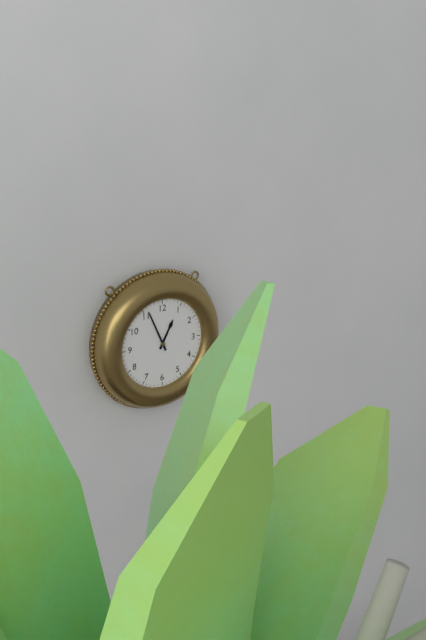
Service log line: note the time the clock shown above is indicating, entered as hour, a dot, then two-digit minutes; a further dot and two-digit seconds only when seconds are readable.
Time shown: 12.56
